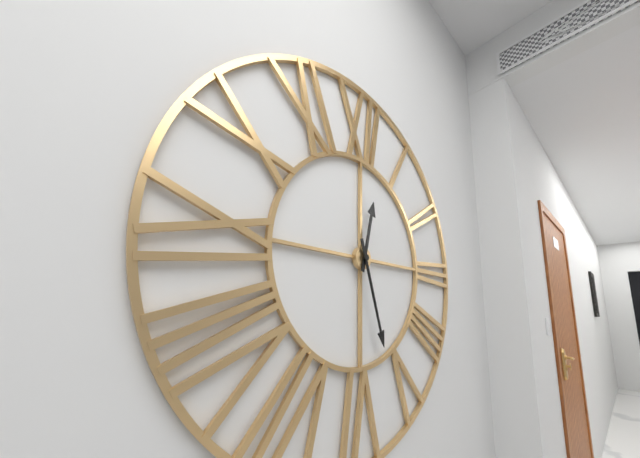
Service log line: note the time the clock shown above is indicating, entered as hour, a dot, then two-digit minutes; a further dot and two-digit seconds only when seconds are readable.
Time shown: 12.27
